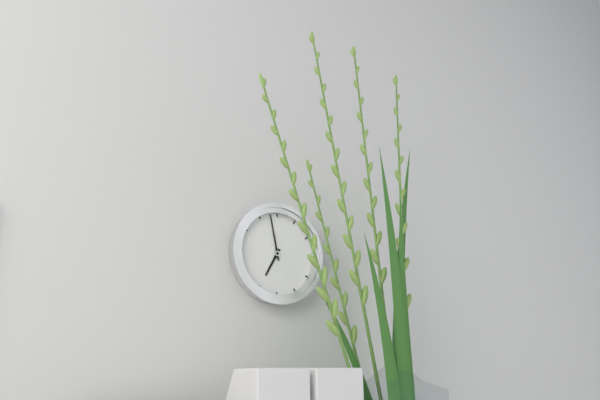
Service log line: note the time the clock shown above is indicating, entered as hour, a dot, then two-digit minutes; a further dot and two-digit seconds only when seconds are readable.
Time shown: 6.58
